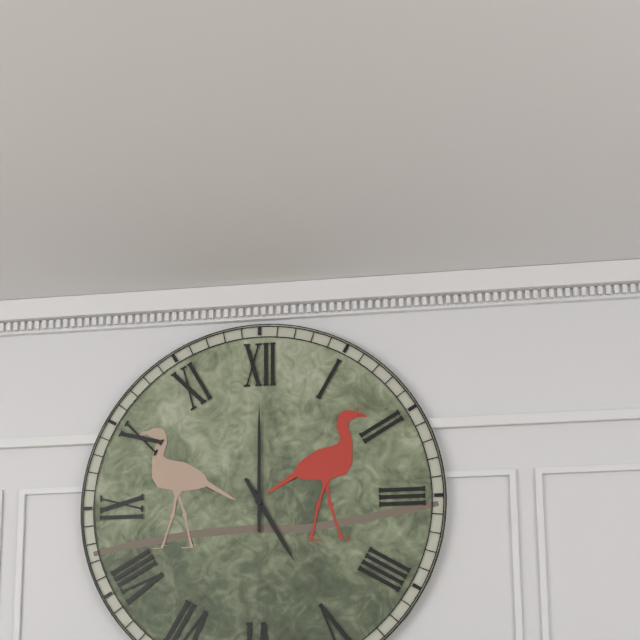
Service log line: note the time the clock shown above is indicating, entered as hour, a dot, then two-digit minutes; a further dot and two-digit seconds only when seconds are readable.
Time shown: 5.00
